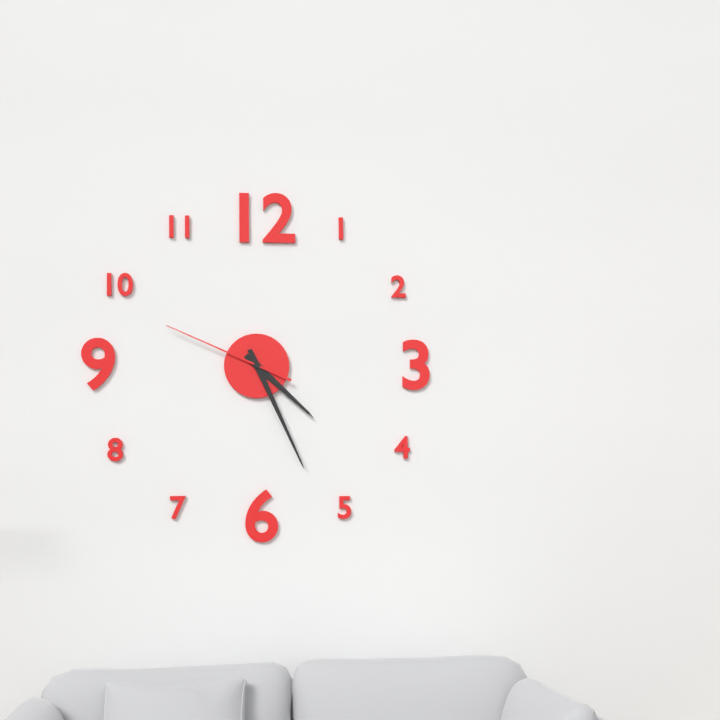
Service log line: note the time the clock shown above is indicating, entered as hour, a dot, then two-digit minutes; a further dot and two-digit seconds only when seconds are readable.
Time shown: 4.26.49
